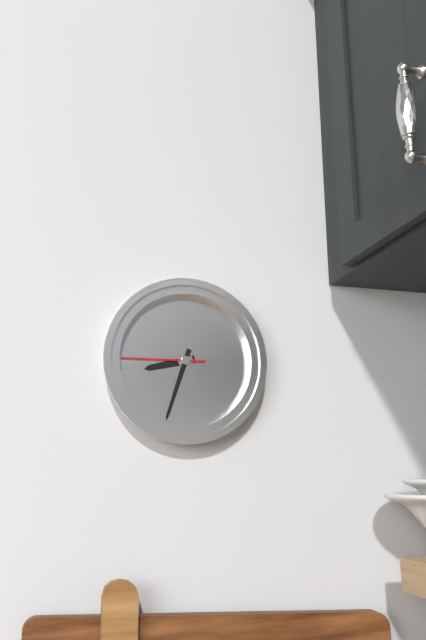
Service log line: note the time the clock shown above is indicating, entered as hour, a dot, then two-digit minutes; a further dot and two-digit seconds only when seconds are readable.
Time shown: 8.33.45
